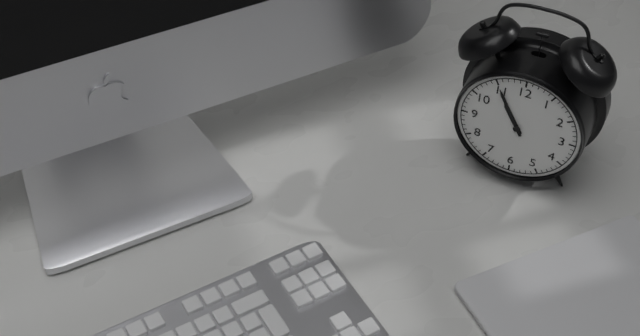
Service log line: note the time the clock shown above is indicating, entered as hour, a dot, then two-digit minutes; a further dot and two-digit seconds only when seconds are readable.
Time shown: 10.55
